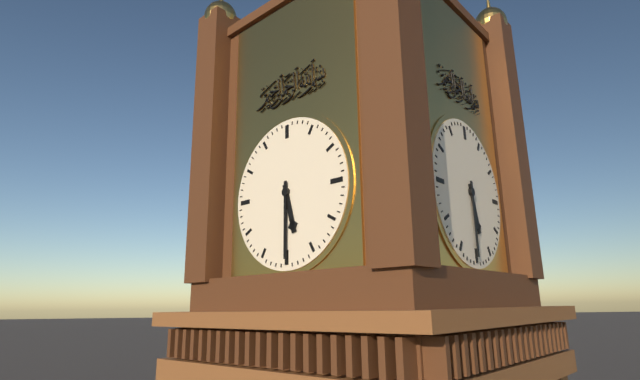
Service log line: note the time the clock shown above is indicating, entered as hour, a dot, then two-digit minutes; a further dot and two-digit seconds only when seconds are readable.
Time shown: 5.30
